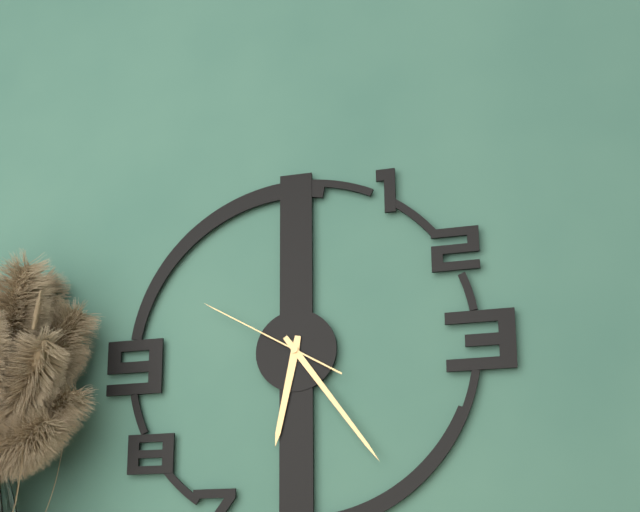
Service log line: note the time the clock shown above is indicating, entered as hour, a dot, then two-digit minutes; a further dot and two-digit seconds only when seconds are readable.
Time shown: 6.24.50
